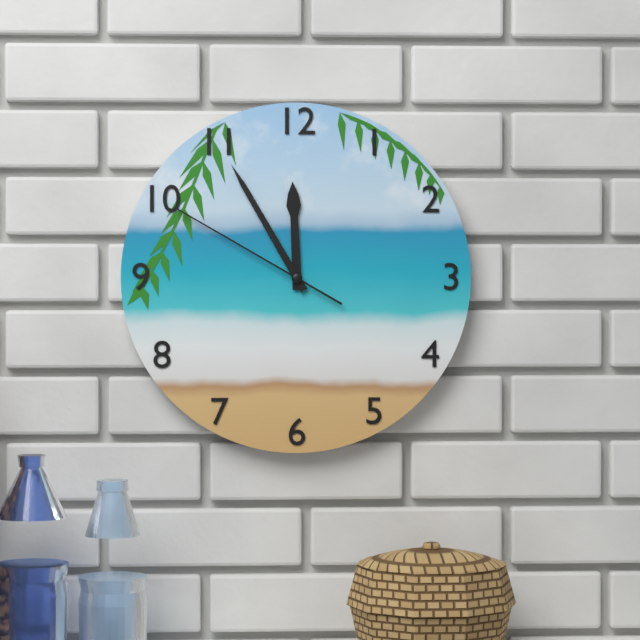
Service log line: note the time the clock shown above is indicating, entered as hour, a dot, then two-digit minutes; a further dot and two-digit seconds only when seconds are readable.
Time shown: 11.55.50
